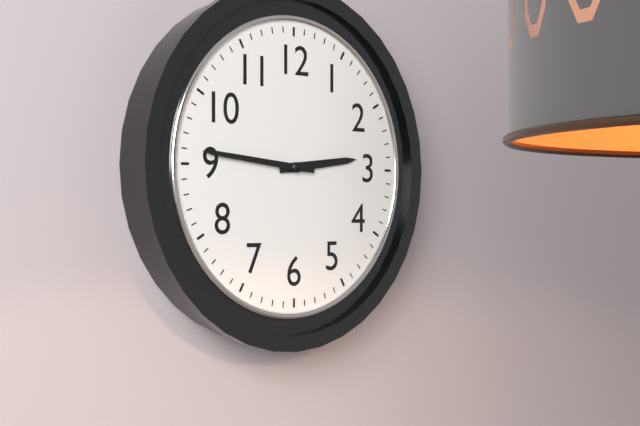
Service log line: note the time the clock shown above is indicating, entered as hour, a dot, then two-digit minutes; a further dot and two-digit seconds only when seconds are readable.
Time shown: 2.46
